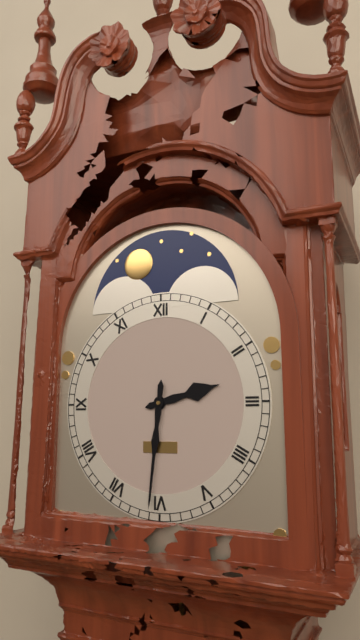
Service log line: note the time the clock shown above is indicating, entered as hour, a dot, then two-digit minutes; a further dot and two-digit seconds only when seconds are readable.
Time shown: 2.31
